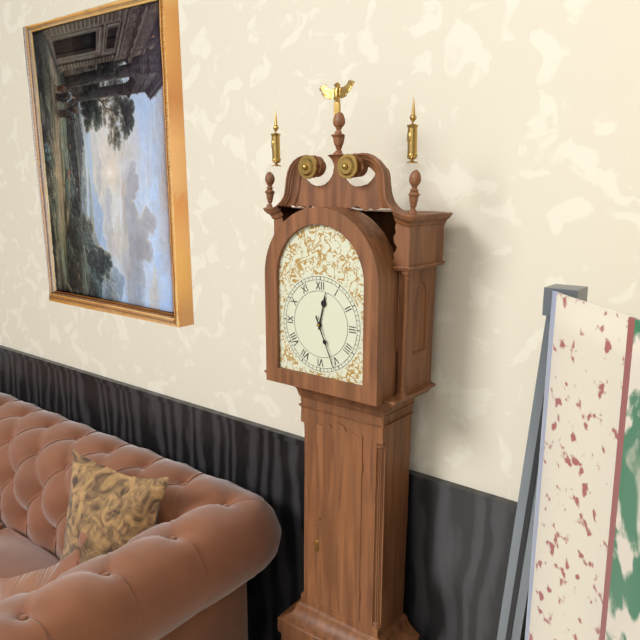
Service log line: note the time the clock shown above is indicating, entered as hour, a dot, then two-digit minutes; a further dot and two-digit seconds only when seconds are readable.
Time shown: 12.26
